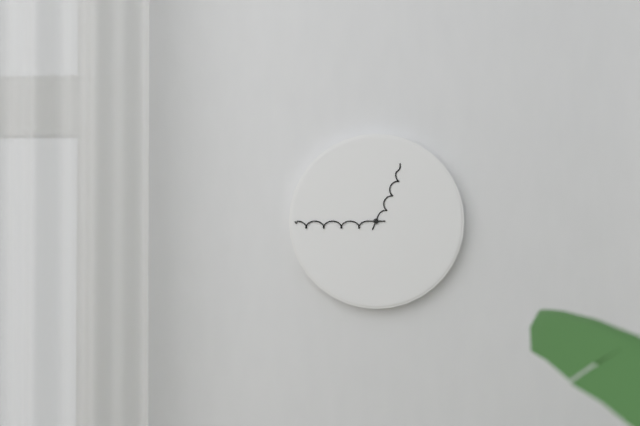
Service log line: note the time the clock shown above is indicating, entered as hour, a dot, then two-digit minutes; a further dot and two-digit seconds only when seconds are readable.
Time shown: 12.45
